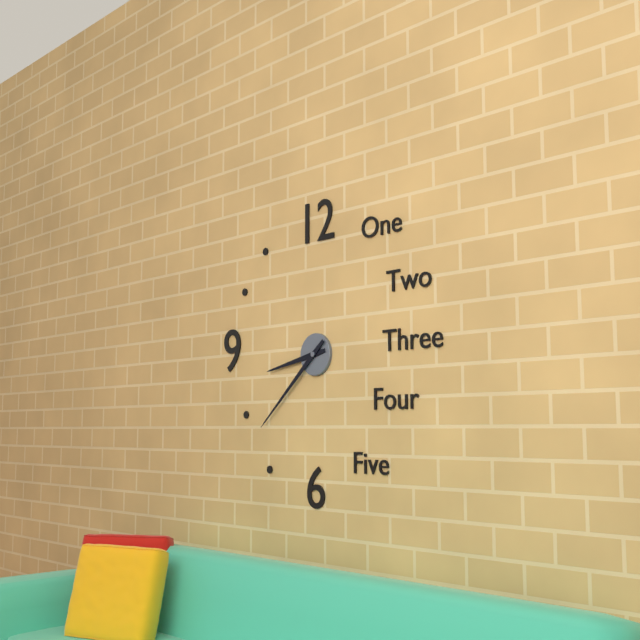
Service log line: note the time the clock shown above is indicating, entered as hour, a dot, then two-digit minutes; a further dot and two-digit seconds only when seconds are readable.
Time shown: 8.38
